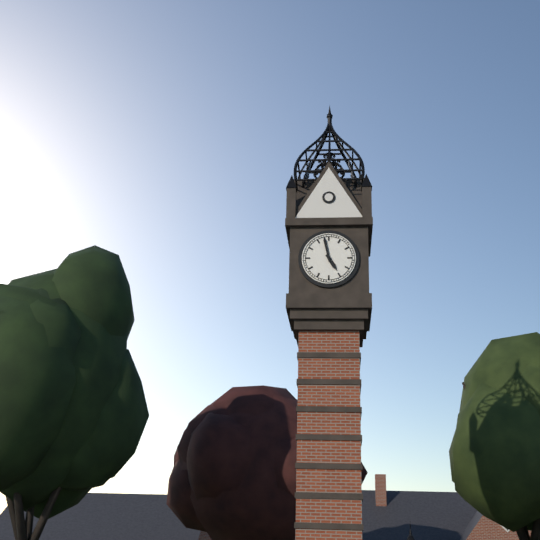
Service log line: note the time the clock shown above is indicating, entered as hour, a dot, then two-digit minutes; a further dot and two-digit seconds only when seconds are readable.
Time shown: 4.58
